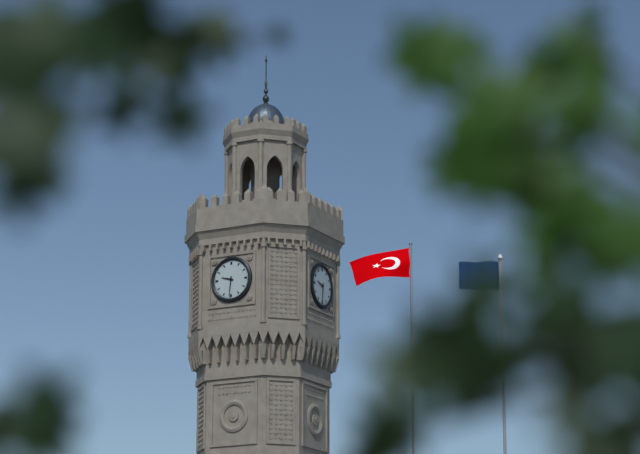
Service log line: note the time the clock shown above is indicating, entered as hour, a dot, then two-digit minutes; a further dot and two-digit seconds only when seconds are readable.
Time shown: 9.31
